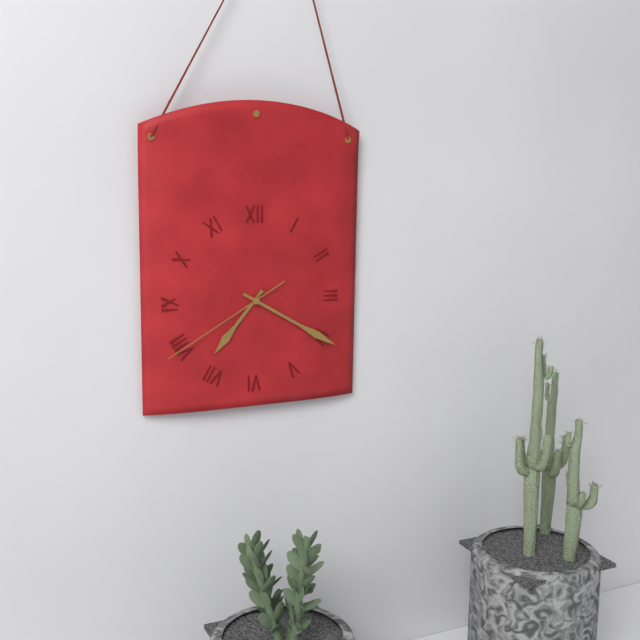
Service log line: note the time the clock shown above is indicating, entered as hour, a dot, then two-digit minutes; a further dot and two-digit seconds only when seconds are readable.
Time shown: 7.20.40
